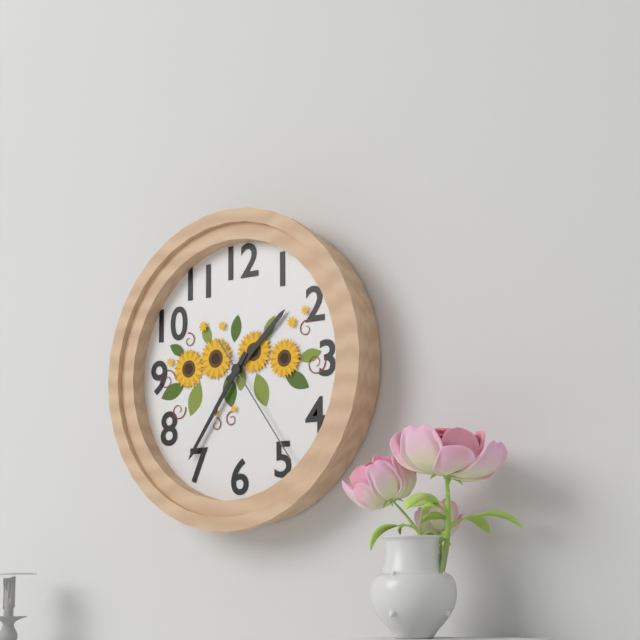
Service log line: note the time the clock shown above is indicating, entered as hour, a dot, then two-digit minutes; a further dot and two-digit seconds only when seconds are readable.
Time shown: 1.36.24
